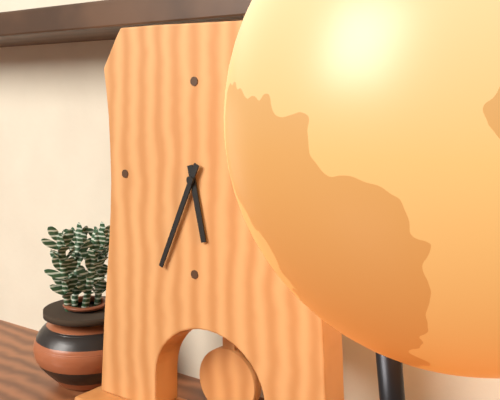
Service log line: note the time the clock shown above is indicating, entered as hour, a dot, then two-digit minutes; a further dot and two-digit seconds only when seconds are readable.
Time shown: 5.34
